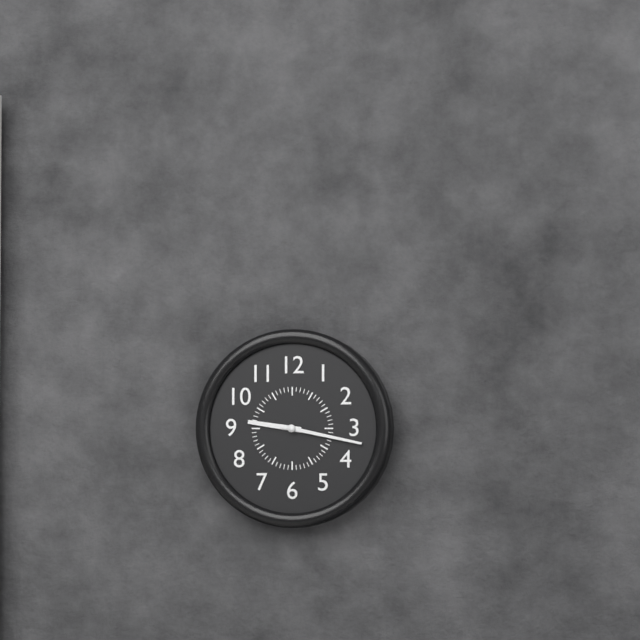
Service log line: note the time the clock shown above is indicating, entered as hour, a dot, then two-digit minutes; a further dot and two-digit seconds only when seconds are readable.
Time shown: 9.17
